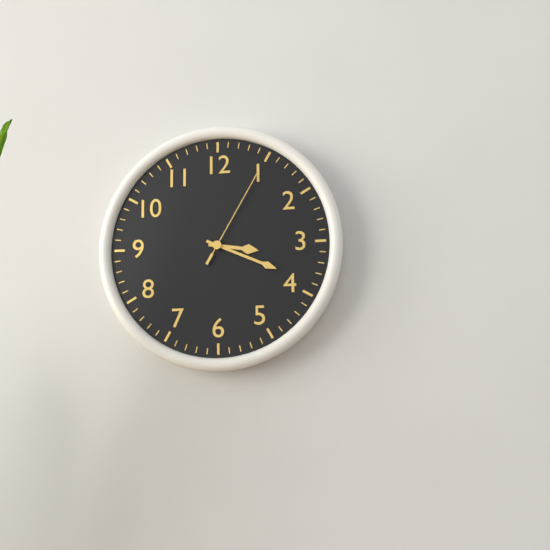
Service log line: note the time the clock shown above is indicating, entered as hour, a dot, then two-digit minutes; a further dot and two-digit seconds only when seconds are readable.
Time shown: 3.19.05
